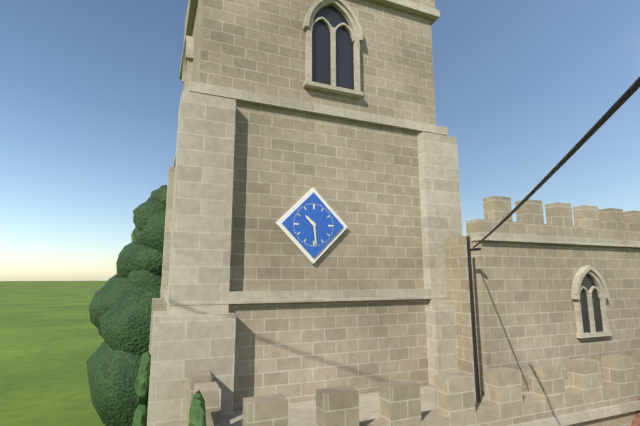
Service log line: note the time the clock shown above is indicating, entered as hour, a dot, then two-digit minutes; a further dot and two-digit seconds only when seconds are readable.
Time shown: 10.29
